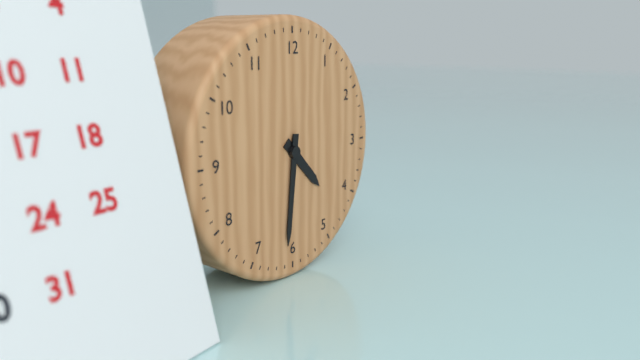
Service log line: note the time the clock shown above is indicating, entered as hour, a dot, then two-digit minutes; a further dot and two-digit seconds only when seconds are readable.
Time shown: 4.31
